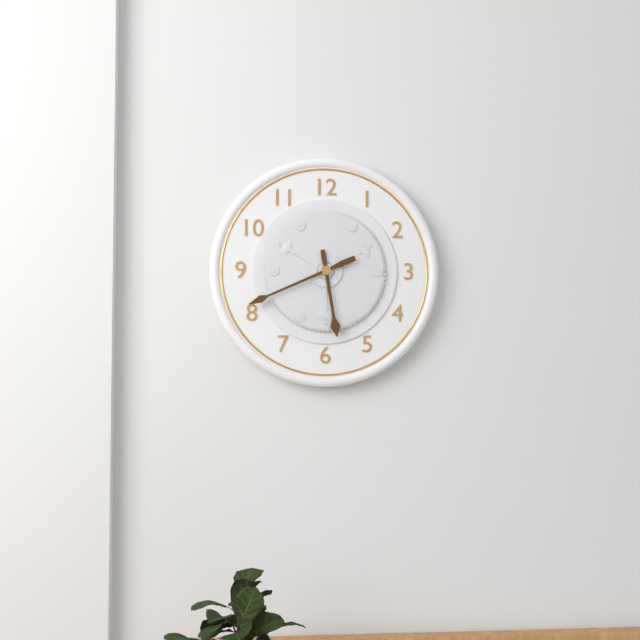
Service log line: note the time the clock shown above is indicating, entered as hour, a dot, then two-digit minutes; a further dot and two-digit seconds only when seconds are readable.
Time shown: 5.41
